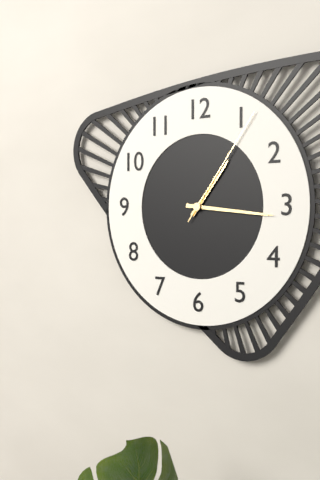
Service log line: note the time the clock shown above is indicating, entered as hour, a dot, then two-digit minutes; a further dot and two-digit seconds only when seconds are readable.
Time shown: 1.16.06
